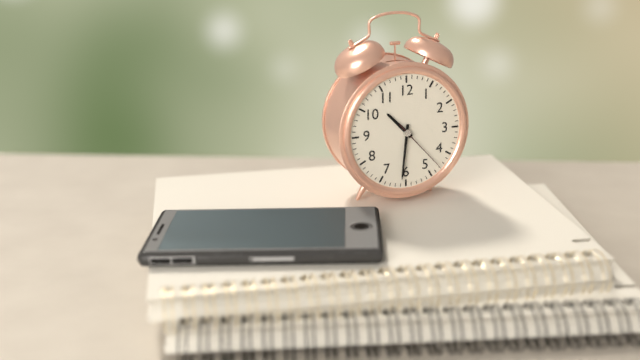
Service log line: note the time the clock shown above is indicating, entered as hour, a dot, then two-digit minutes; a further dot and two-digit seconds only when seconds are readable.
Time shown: 10.31.23
